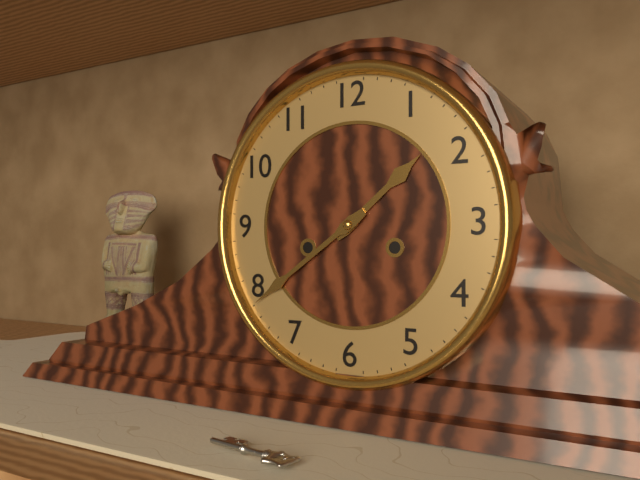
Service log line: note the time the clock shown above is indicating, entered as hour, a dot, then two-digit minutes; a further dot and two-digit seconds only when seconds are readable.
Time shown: 1.39
